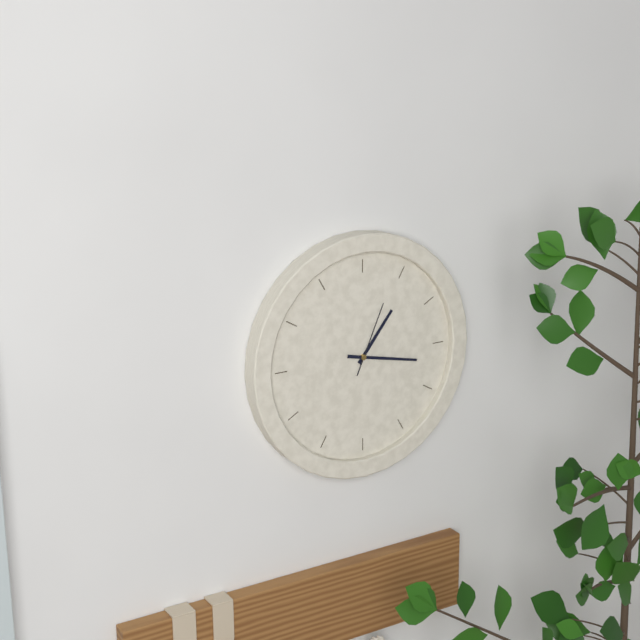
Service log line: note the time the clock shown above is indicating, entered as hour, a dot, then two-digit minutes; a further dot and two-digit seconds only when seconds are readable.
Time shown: 1.17.04
